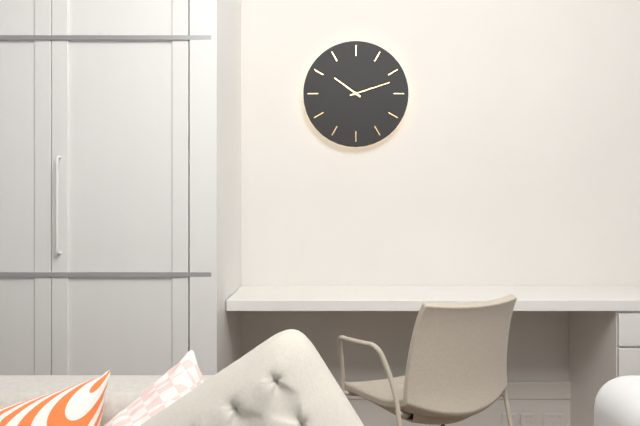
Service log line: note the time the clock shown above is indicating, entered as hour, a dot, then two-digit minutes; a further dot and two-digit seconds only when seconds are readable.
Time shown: 10.12
